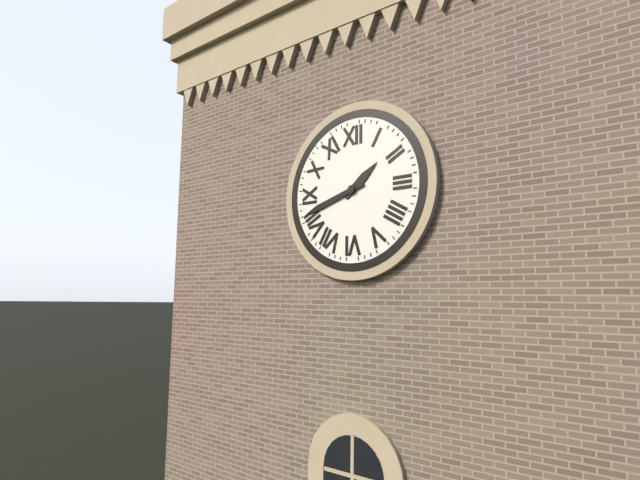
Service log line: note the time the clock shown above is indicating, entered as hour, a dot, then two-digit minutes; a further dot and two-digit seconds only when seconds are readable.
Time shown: 1.42
